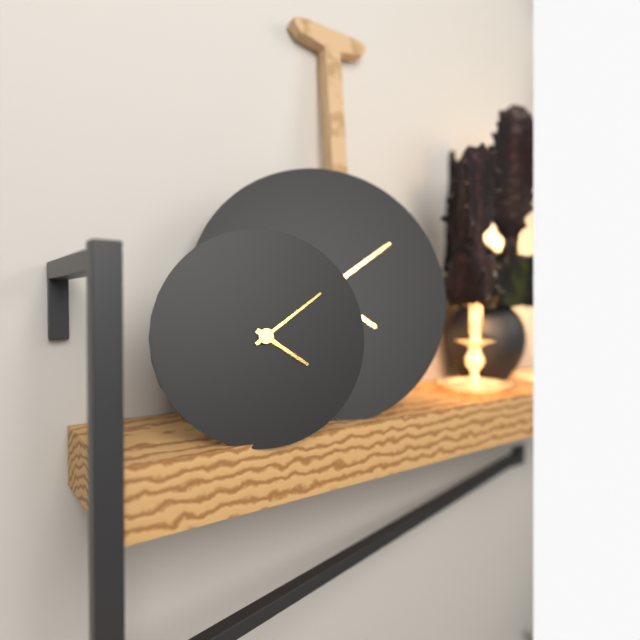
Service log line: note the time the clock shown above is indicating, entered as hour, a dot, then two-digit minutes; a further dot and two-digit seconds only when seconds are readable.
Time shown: 4.09
